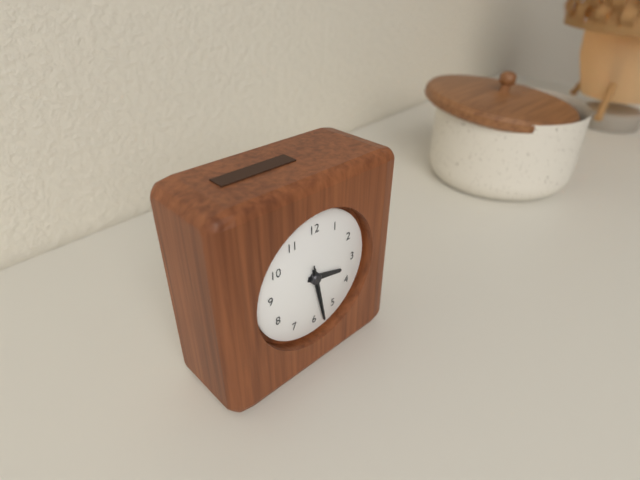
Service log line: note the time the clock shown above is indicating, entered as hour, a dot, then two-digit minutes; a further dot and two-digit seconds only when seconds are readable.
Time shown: 3.28.28
